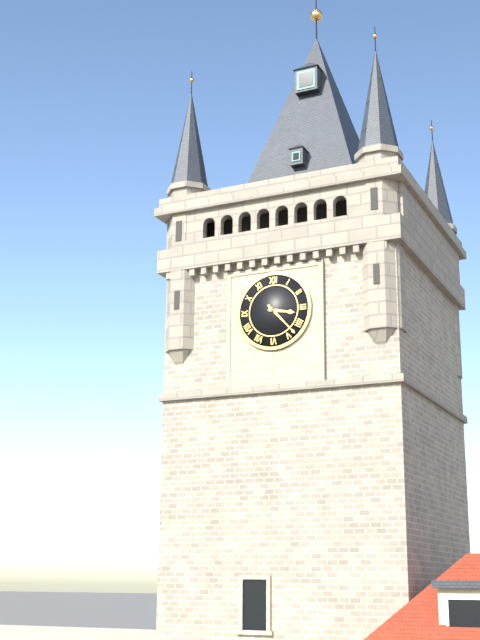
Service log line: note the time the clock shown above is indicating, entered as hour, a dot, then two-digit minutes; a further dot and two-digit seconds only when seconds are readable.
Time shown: 3.23
